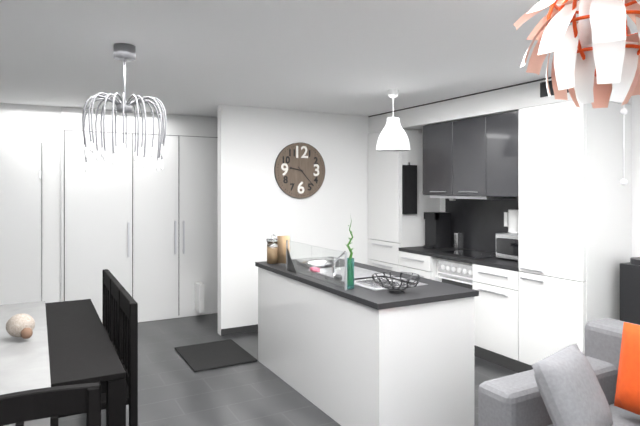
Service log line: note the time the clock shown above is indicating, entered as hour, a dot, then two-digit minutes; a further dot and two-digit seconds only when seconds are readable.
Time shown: 9.23
